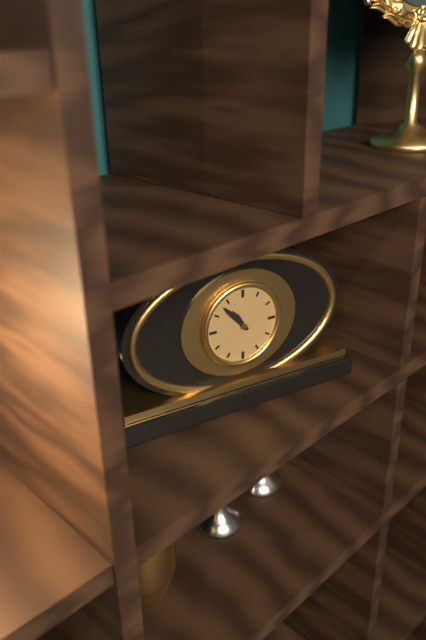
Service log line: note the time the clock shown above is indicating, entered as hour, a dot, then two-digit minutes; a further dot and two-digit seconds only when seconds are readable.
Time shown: 10.53
